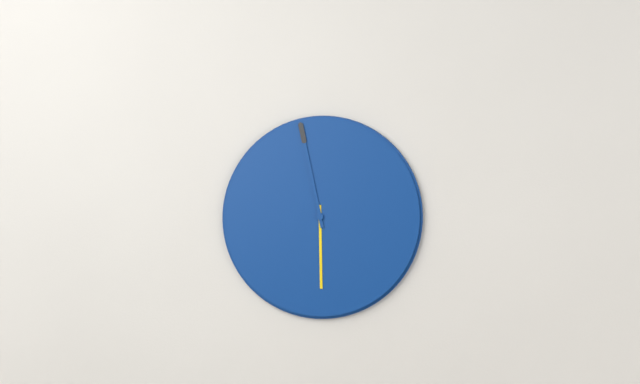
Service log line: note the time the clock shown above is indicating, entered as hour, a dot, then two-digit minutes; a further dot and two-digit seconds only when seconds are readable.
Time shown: 5.58
